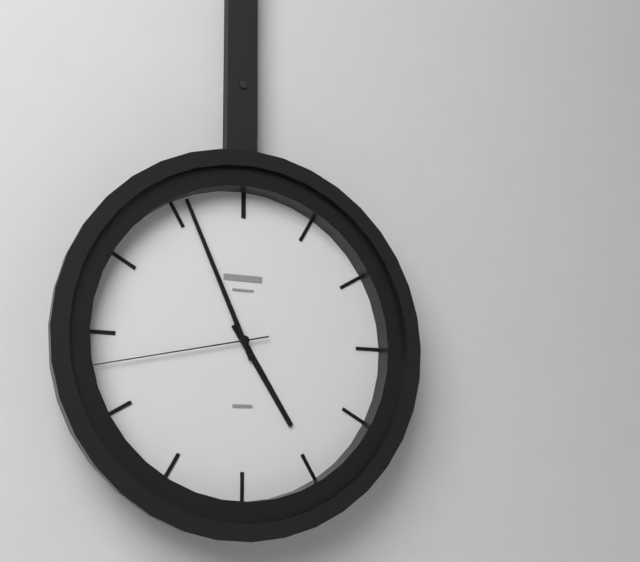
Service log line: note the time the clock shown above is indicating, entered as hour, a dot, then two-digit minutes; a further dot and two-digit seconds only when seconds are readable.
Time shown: 4.56.43
